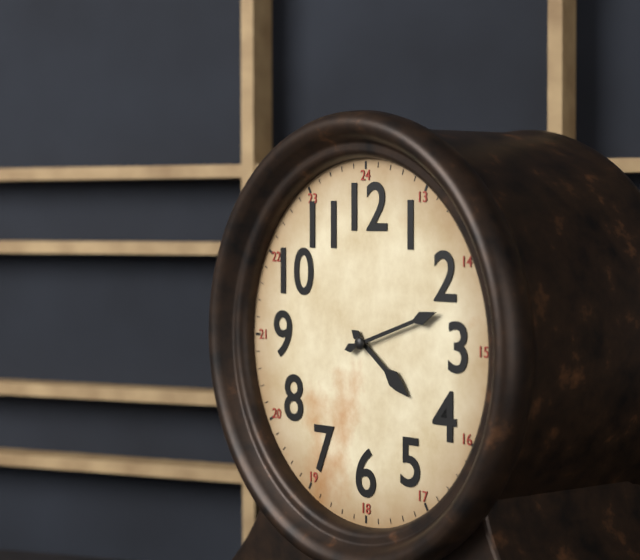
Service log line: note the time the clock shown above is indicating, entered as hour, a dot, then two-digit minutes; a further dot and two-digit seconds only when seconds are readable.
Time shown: 4.12
